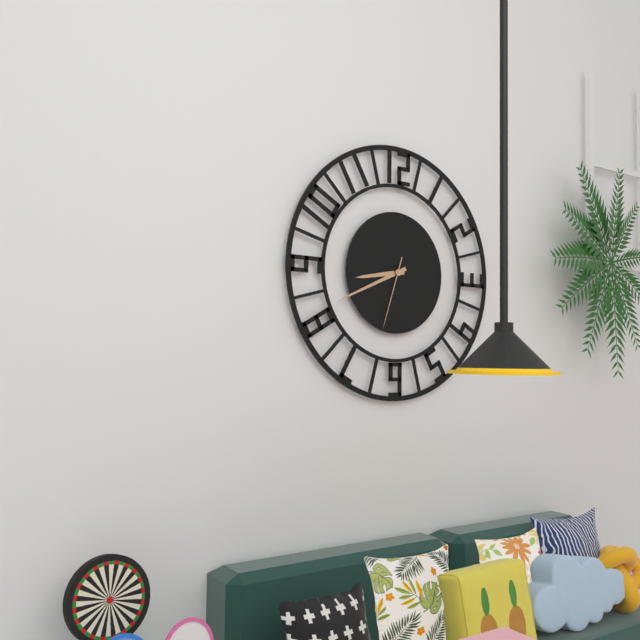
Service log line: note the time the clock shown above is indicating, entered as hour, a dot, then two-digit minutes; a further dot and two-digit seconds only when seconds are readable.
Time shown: 8.41.33
